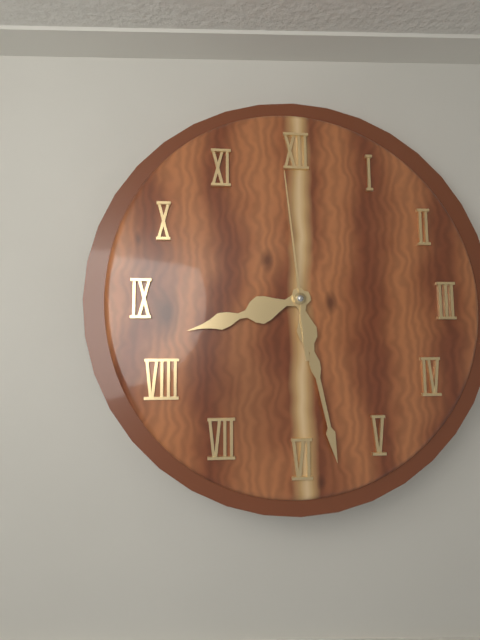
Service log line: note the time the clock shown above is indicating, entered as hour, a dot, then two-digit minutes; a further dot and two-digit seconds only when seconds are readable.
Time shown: 8.28.59
